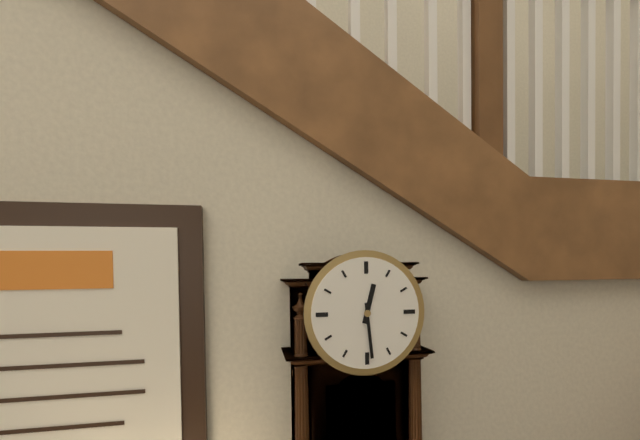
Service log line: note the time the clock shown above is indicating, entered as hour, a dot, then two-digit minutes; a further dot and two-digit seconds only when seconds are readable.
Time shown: 12.29
